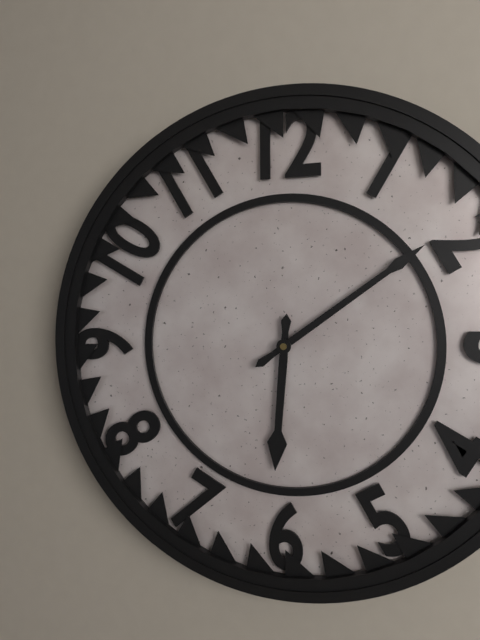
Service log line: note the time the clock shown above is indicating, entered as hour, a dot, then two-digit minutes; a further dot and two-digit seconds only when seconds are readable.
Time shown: 6.09
